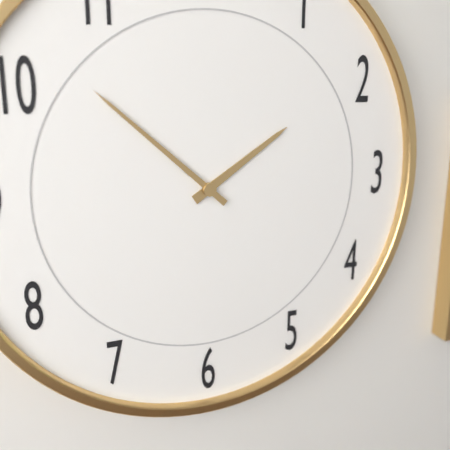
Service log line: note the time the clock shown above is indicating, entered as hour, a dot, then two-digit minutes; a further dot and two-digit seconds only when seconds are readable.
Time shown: 1.52
